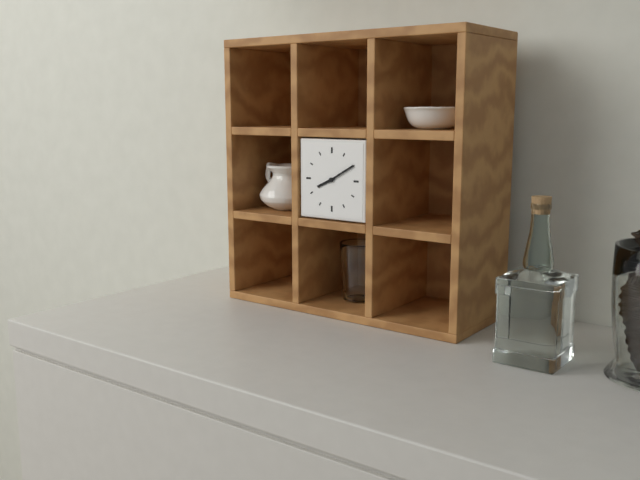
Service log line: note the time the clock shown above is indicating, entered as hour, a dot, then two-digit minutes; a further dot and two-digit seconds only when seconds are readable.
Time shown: 8.10
